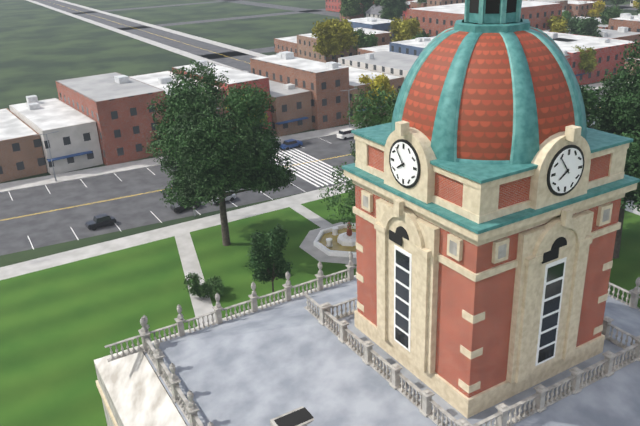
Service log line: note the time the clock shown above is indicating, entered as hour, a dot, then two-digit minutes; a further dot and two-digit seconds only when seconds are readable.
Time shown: 7.54
